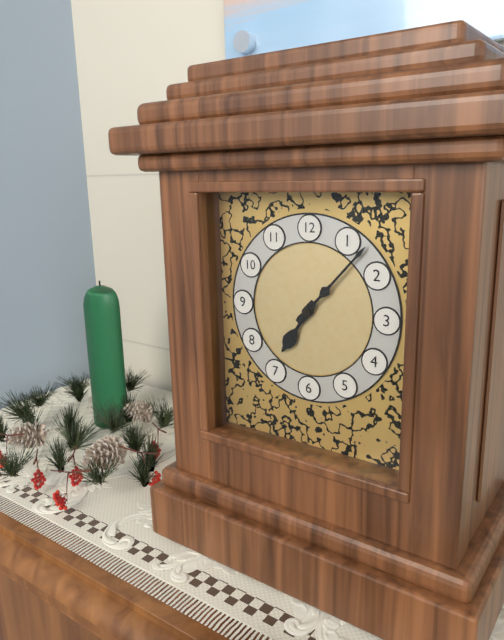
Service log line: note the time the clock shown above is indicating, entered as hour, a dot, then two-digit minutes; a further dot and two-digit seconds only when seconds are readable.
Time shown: 7.07
